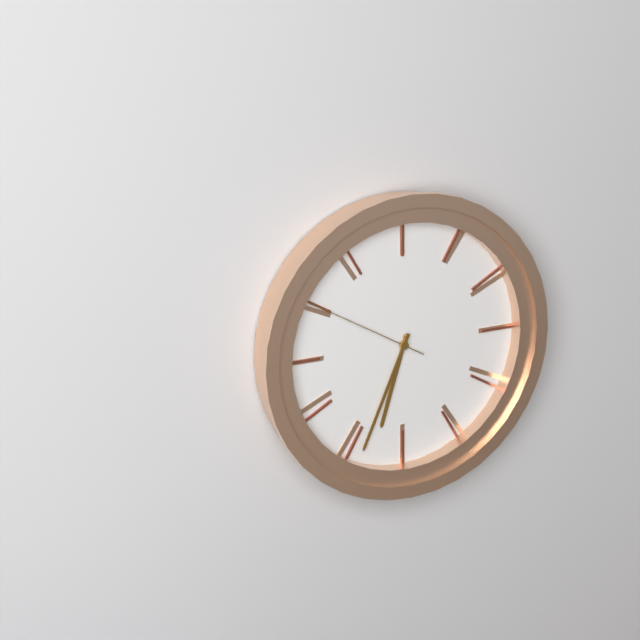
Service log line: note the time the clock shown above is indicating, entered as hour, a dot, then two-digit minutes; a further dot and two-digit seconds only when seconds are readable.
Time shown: 6.34.50
